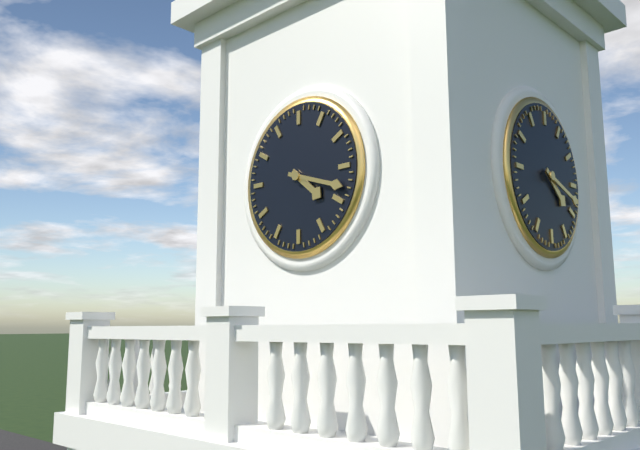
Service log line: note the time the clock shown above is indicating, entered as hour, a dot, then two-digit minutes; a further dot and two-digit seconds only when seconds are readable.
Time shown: 4.18
